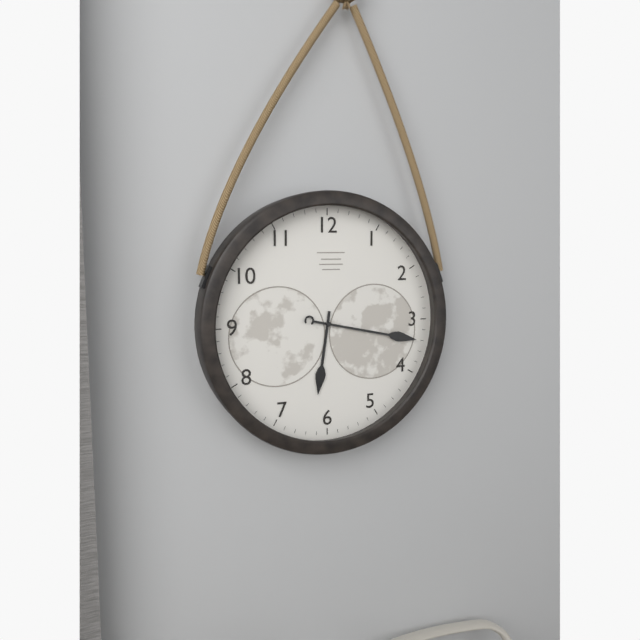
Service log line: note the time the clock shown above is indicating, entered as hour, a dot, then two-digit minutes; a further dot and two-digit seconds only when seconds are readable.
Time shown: 6.17
